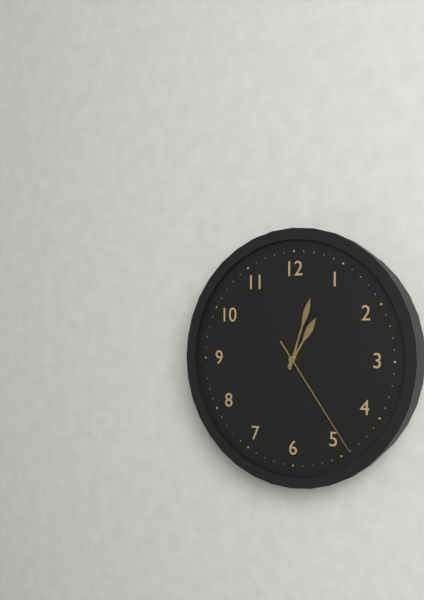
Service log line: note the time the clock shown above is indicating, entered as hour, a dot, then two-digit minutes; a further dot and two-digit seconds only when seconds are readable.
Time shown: 1.03.24
